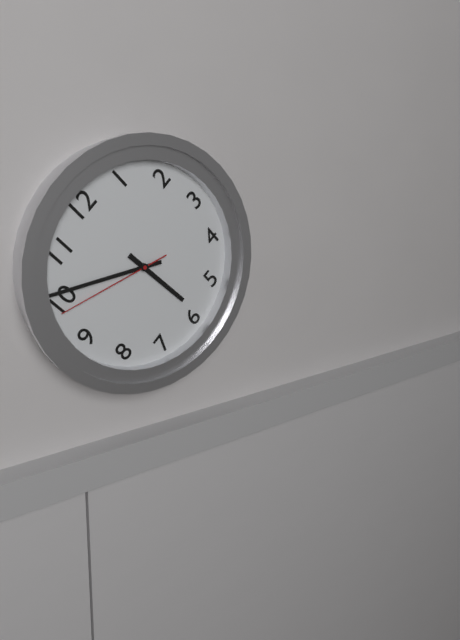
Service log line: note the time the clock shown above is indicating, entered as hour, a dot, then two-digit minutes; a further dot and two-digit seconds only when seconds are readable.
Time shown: 5.51.49
